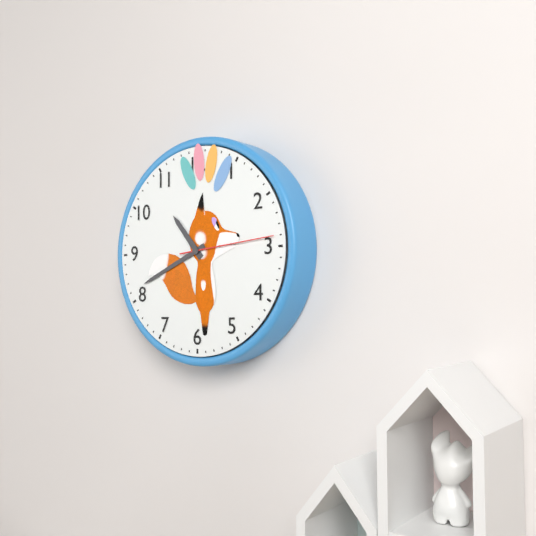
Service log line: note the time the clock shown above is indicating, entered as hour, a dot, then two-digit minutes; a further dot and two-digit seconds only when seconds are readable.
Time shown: 10.41.14
